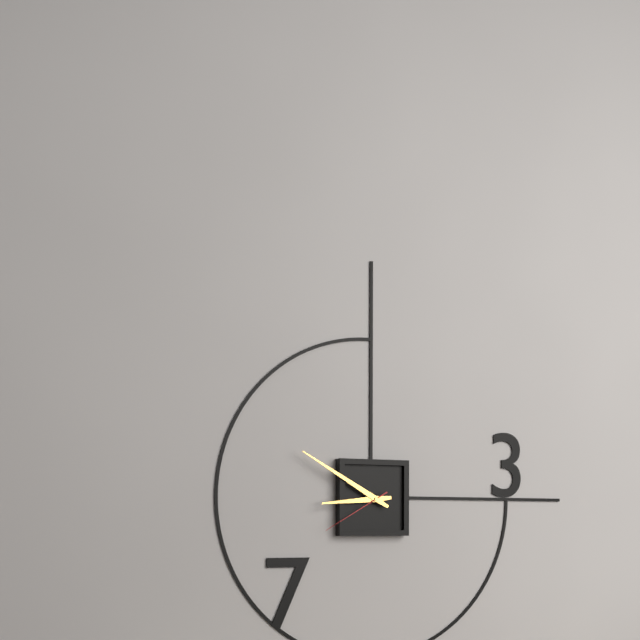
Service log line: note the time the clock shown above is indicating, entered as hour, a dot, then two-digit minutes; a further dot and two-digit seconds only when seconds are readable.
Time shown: 8.50.40
